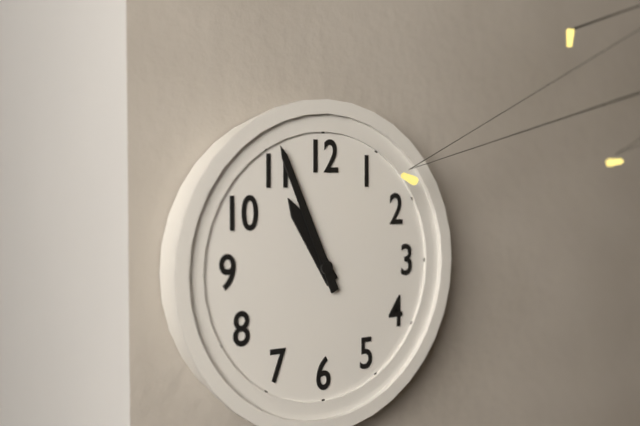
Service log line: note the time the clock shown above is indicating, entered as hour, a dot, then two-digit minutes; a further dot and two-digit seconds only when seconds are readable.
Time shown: 10.56
